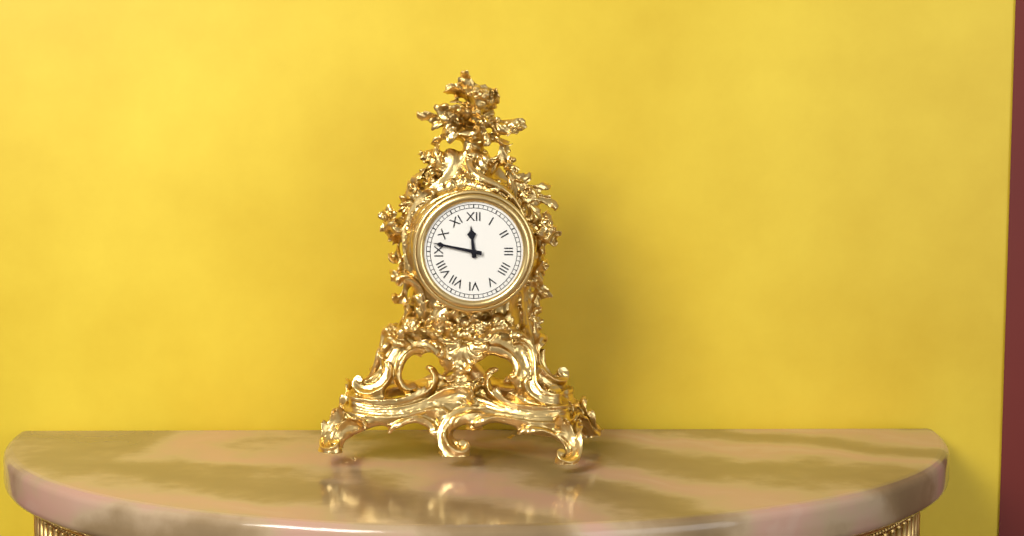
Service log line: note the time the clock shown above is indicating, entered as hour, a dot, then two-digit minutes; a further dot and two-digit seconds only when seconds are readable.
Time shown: 11.47
